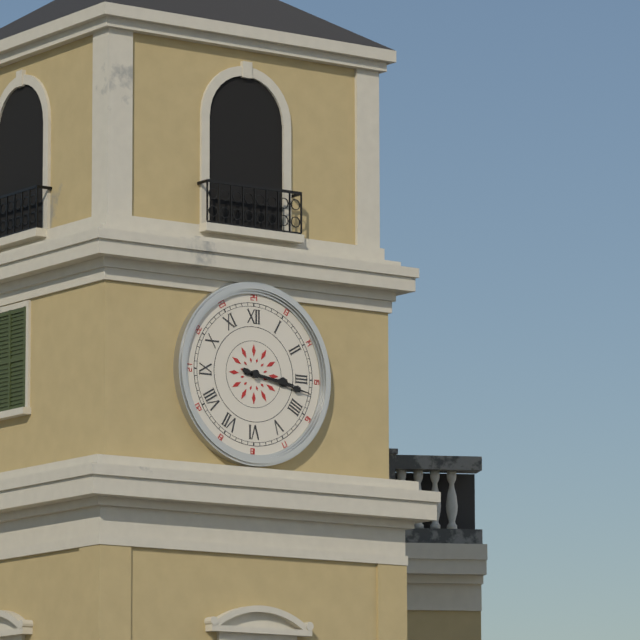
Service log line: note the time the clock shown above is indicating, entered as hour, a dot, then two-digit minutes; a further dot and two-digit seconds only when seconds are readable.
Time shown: 3.17
